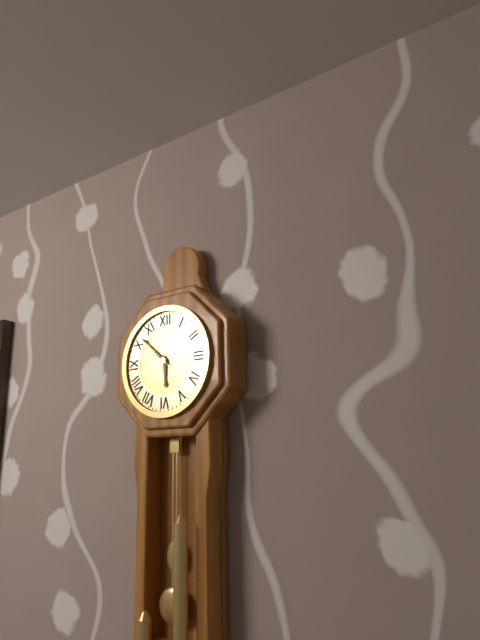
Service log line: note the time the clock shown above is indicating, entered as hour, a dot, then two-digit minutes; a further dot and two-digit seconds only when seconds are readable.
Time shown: 5.52
